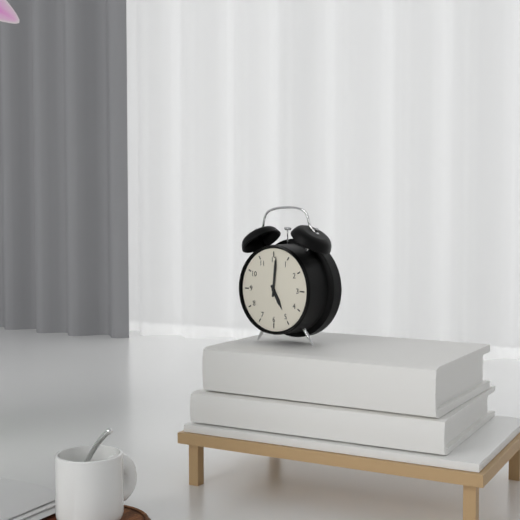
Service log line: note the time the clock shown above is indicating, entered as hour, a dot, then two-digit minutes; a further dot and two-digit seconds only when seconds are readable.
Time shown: 5.01
